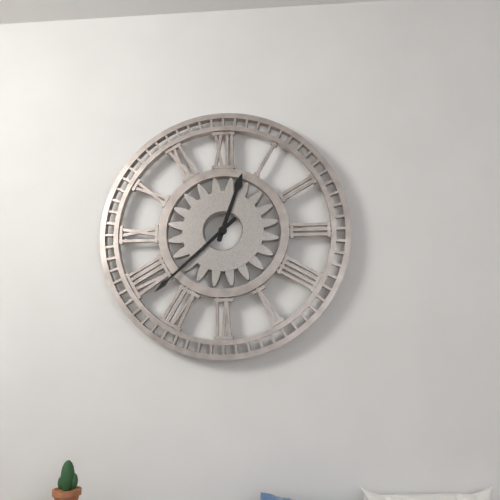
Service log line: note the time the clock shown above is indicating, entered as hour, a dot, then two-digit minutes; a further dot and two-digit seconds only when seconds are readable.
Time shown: 12.38
